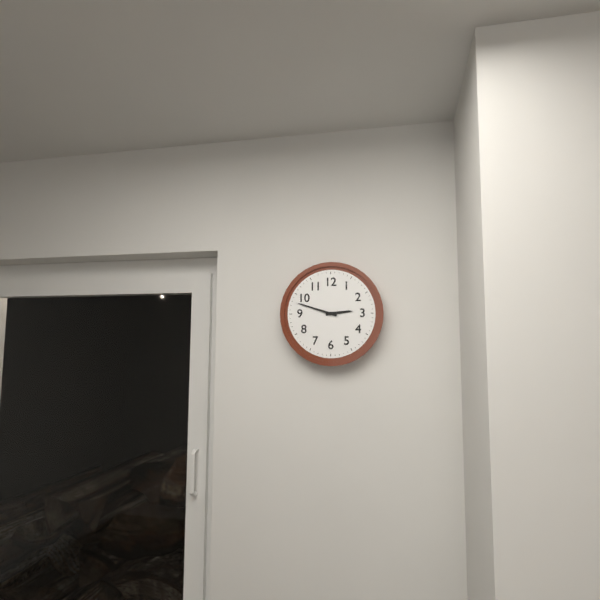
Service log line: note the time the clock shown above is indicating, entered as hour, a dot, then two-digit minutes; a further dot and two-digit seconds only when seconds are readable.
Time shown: 2.48
